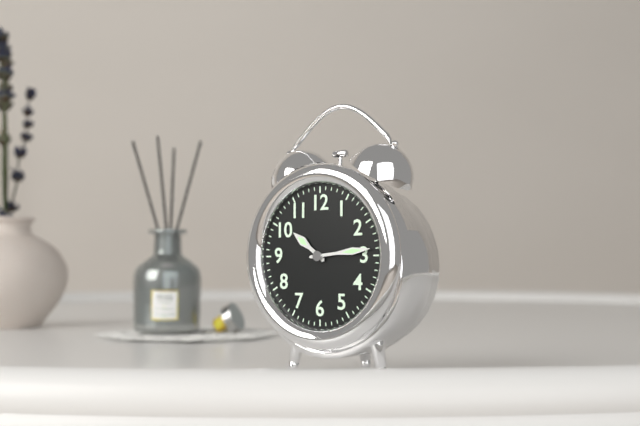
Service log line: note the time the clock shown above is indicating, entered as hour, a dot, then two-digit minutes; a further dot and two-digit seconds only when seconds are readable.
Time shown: 10.14
